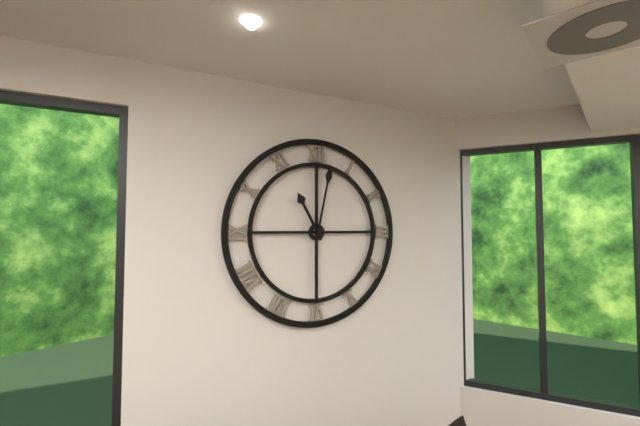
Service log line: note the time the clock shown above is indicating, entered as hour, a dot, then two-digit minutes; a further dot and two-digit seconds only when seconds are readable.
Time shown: 11.02
